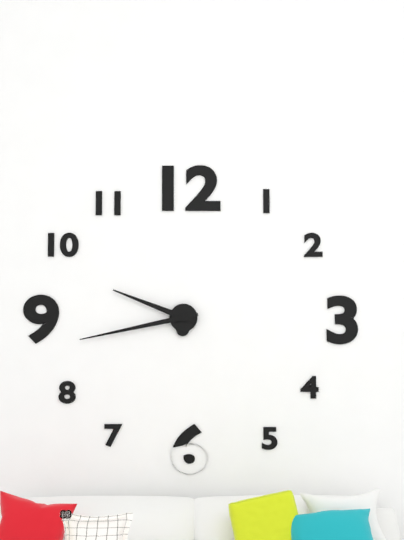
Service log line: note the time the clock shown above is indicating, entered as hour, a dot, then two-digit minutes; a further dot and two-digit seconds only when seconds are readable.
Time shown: 9.43
